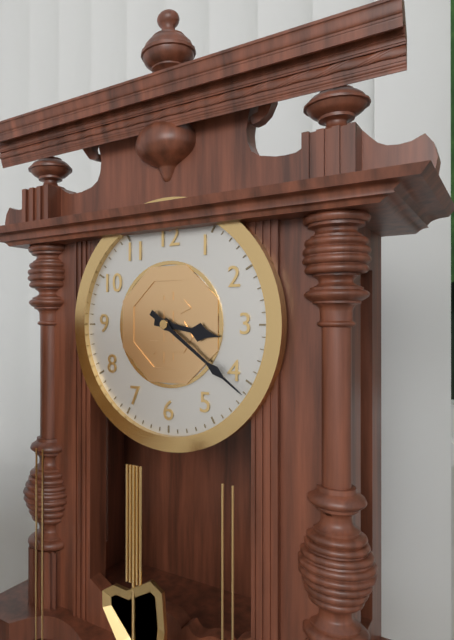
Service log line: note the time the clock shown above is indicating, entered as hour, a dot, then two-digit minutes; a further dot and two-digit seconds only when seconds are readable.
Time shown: 3.21
